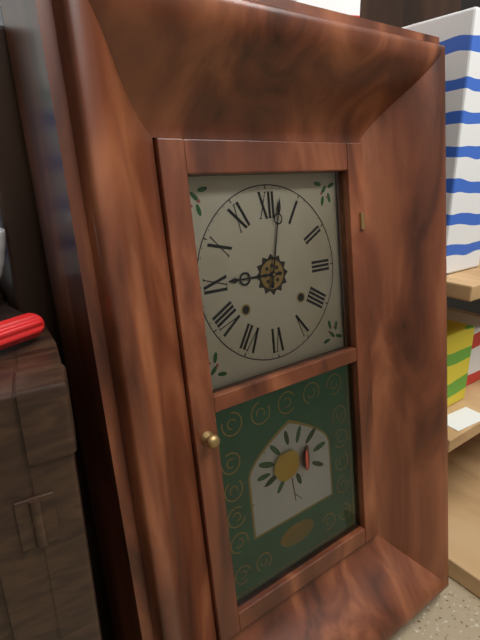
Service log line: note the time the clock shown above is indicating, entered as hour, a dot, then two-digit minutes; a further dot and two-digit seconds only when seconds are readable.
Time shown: 9.02
